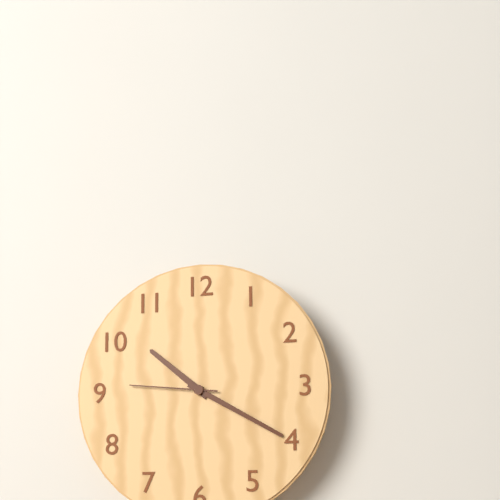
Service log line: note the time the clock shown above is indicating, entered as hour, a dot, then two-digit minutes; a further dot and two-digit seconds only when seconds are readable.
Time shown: 10.20.46
